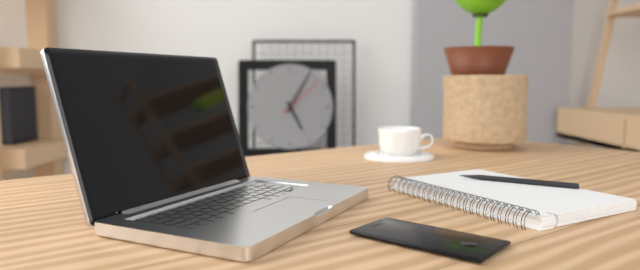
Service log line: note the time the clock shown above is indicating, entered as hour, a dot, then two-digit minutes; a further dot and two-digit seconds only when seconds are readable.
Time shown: 5.05.08
